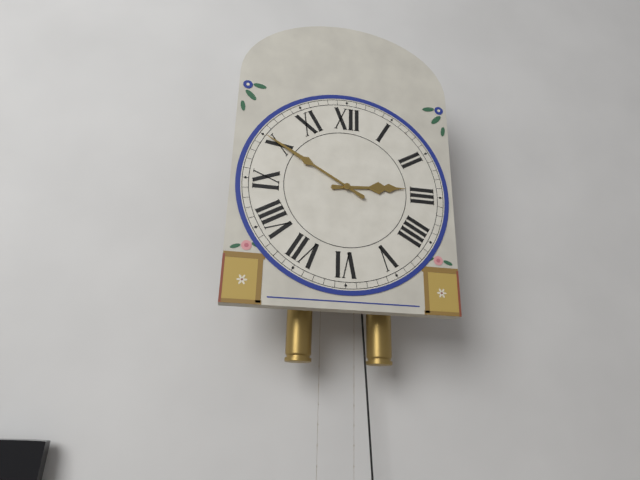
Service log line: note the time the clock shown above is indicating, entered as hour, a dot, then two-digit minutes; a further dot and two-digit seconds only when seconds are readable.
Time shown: 2.50
